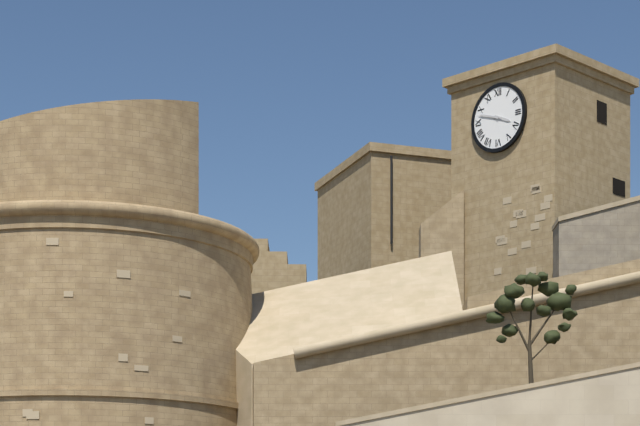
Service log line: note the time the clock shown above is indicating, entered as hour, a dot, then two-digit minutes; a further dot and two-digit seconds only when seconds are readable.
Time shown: 3.48
